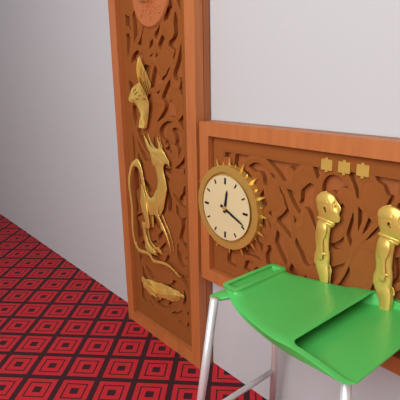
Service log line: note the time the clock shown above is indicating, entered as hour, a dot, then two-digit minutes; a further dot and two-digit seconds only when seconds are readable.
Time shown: 12.19
